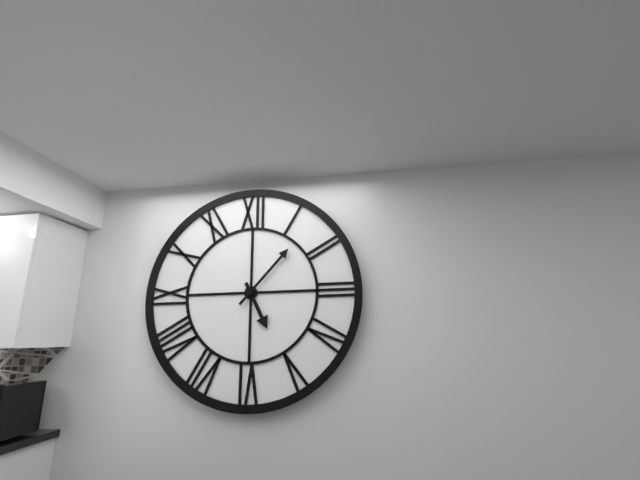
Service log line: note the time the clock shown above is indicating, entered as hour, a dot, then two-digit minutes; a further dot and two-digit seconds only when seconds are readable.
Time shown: 5.07
